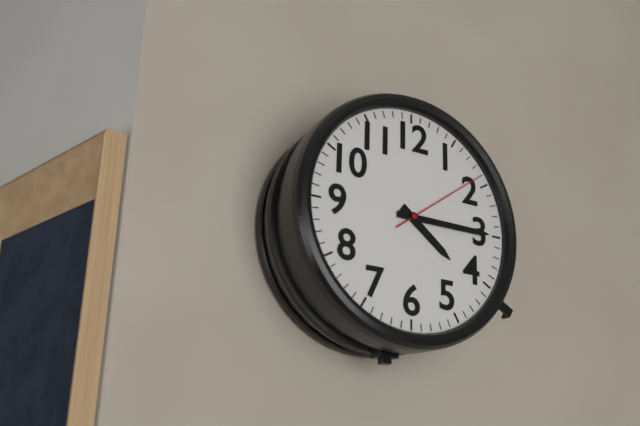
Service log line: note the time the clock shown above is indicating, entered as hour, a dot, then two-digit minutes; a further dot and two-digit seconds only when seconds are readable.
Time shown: 4.15.09
